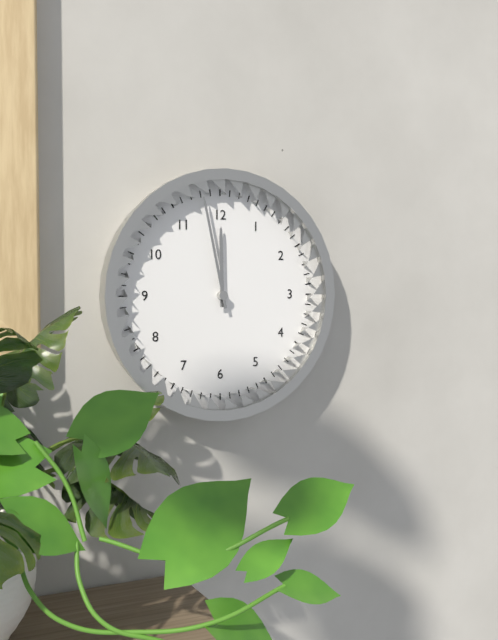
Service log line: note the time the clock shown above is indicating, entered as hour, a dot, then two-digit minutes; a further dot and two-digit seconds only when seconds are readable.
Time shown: 11.58
